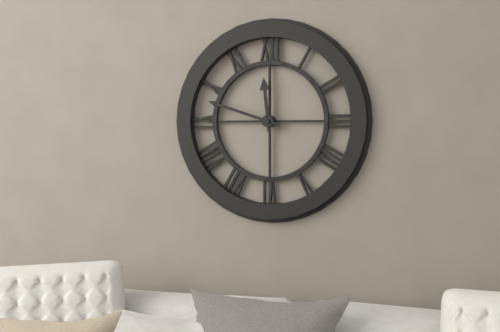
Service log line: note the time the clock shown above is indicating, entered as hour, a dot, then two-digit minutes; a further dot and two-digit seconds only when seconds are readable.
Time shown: 11.48
